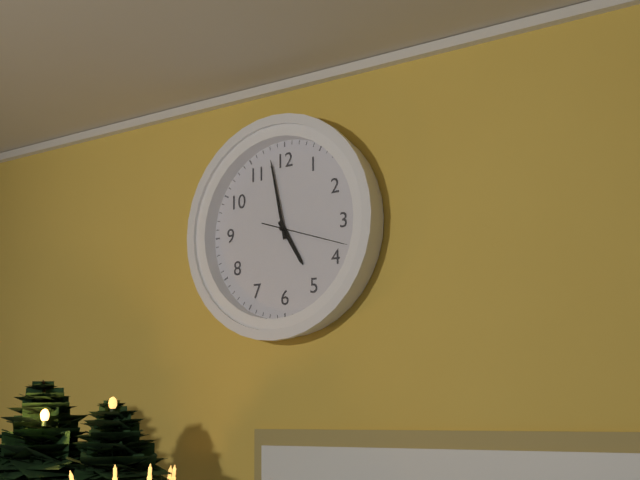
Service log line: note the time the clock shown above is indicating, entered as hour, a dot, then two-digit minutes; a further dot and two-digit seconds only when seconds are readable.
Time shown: 4.58.18
